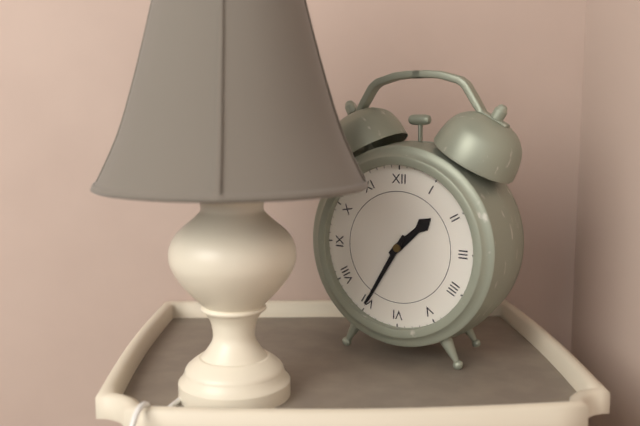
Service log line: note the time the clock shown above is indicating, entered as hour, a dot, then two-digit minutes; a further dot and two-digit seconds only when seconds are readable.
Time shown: 1.35
